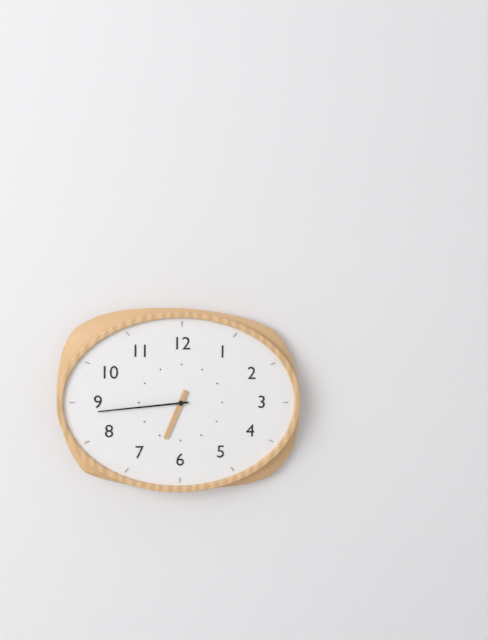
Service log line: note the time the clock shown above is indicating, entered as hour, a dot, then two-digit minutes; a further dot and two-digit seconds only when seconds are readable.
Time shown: 6.44
